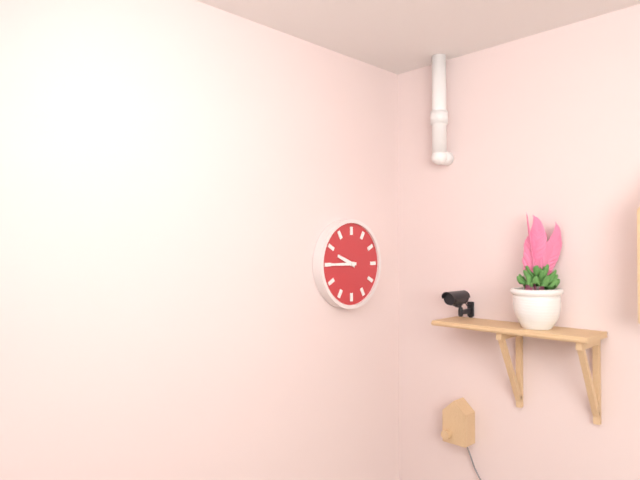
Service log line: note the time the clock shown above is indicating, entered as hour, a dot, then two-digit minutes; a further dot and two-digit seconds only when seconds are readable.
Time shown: 9.45
